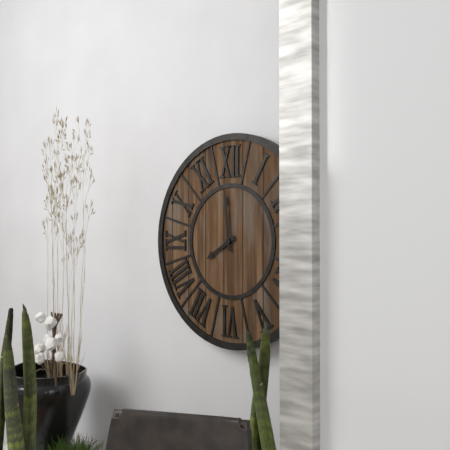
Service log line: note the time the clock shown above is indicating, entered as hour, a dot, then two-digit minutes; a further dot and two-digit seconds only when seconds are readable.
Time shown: 7.59
